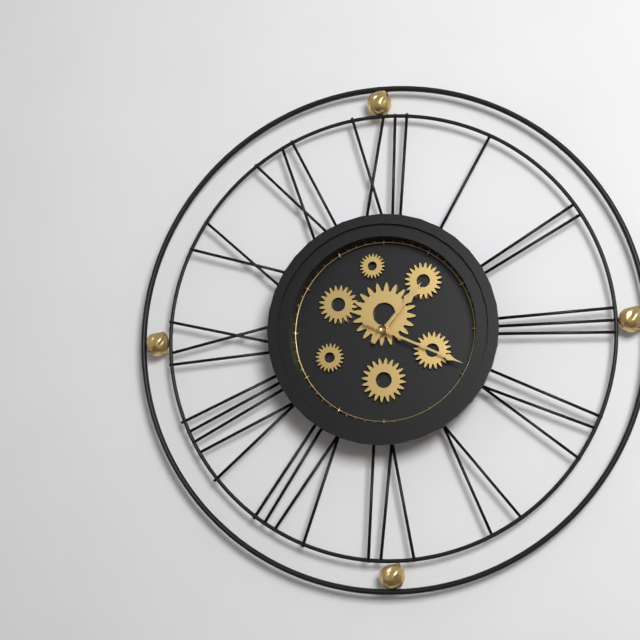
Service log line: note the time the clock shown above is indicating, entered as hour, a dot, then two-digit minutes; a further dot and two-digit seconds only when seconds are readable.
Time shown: 1.19
